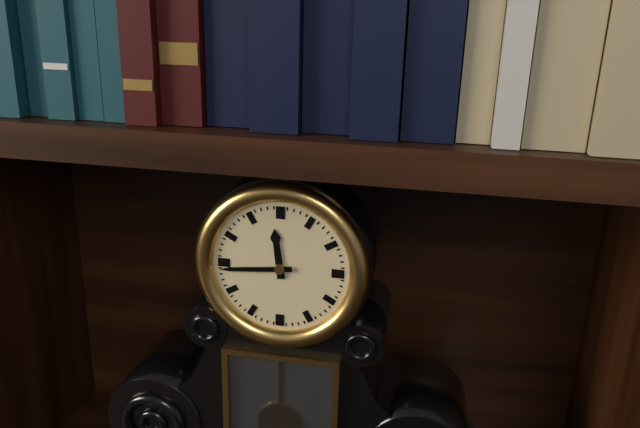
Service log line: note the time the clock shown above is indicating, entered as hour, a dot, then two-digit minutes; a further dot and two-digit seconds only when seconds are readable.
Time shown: 11.44
